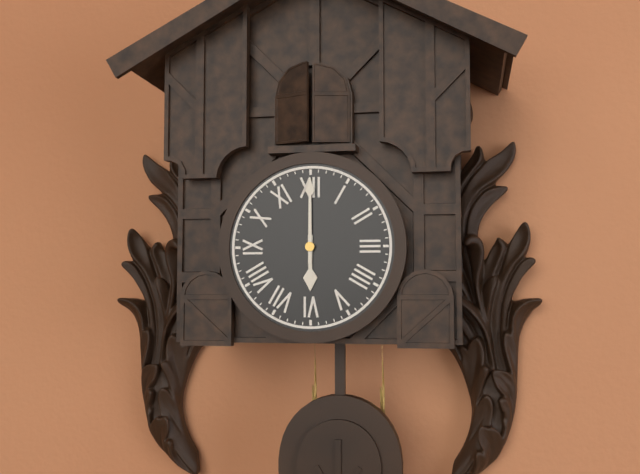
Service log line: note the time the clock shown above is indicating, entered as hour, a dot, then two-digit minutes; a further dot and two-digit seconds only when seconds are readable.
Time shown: 6.00
